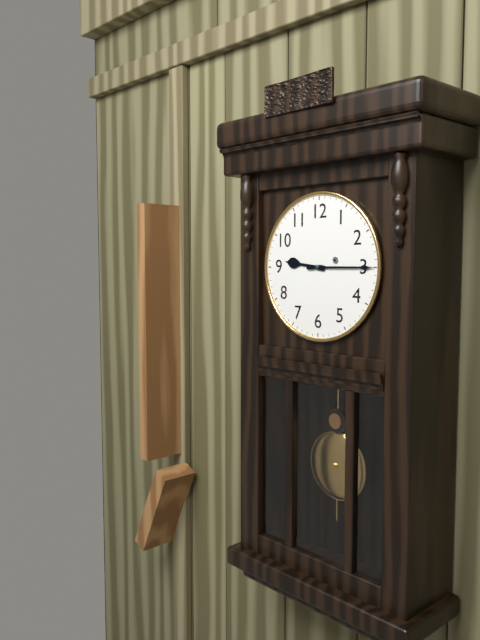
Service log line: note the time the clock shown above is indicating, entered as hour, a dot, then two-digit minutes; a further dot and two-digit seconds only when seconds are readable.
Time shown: 9.15
